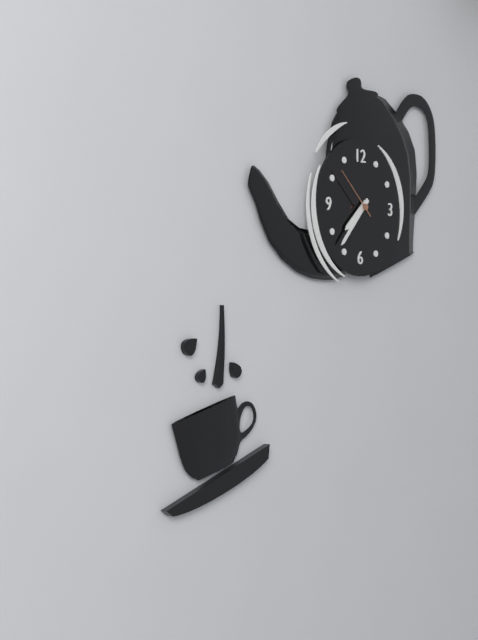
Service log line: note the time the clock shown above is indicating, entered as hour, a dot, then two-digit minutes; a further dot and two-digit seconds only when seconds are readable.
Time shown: 7.37.52
